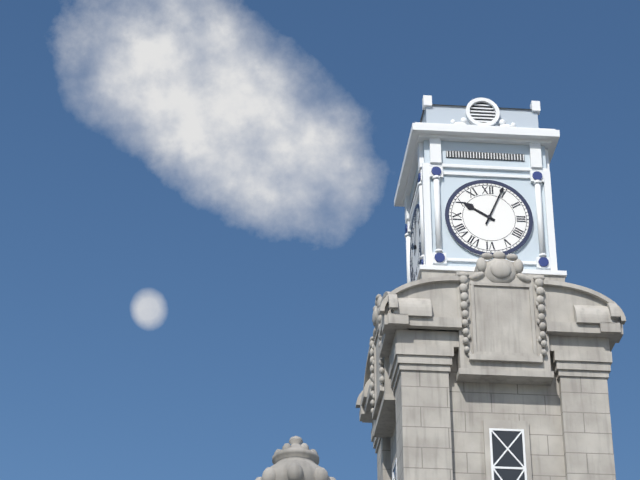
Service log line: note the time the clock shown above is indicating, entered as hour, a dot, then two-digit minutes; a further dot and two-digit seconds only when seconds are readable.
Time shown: 10.04
